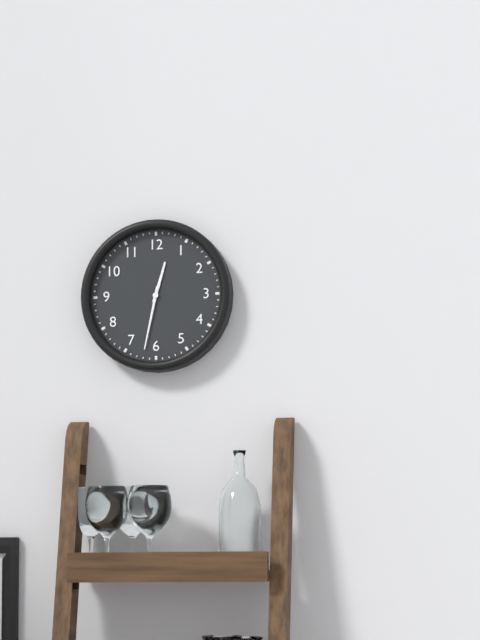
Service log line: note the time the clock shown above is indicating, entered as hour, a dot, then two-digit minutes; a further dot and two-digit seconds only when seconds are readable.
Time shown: 12.32
